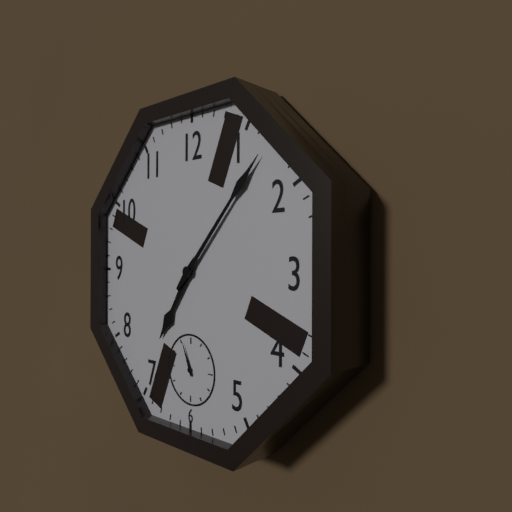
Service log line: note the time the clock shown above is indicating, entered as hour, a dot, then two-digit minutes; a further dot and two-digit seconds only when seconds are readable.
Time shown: 7.07
